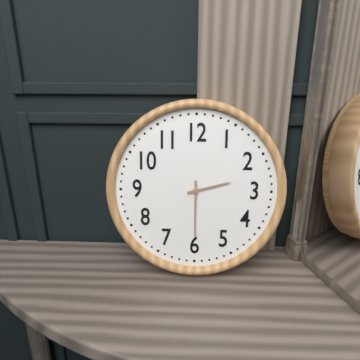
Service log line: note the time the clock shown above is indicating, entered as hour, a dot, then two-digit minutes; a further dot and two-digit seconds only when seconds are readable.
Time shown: 2.30
